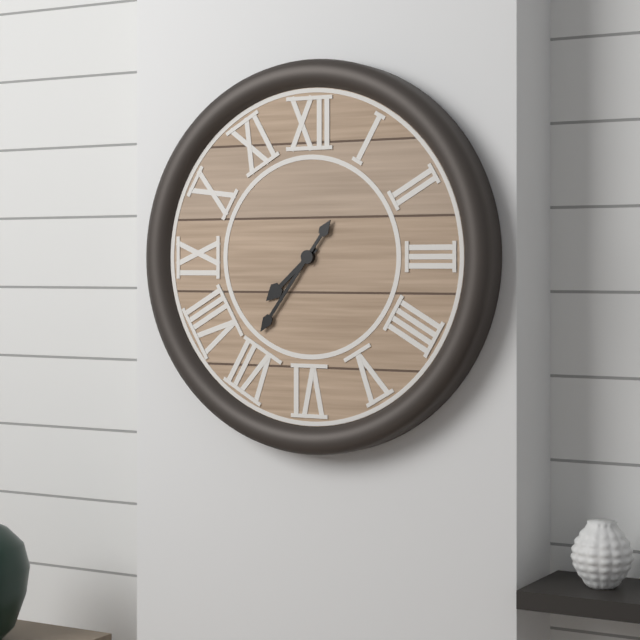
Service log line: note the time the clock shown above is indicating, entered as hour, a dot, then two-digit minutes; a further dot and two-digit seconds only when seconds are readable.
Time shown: 7.36
